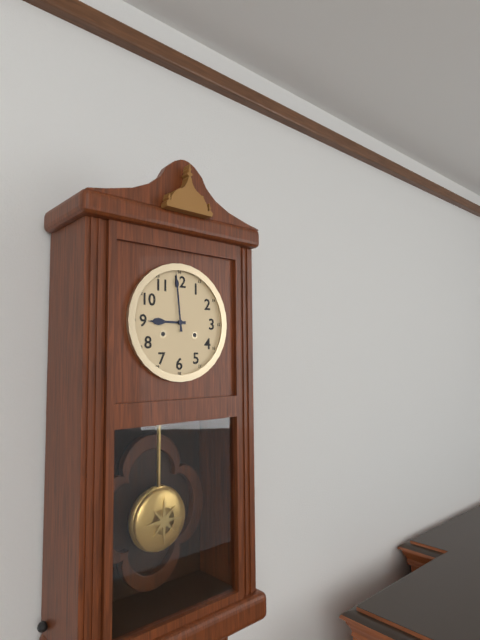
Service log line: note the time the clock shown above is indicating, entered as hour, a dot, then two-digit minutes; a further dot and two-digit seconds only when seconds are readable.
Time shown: 8.59
